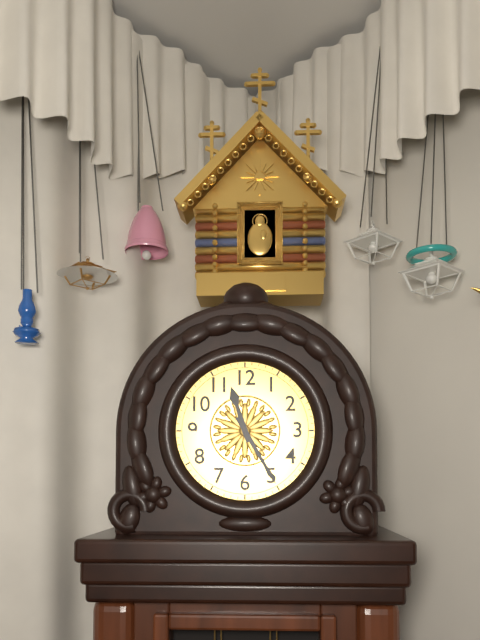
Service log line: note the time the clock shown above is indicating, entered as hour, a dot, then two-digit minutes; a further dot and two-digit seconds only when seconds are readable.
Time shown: 11.25
